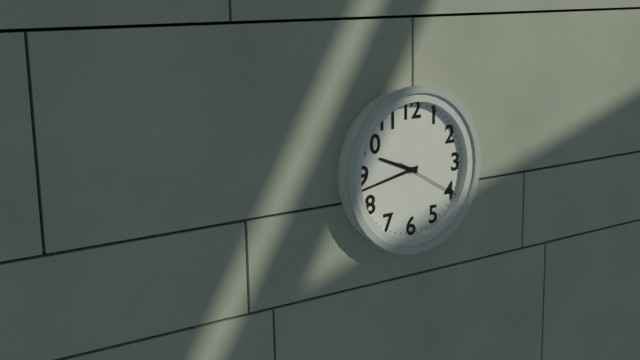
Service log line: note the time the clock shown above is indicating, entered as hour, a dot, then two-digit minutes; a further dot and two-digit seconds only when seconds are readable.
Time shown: 9.43.20
